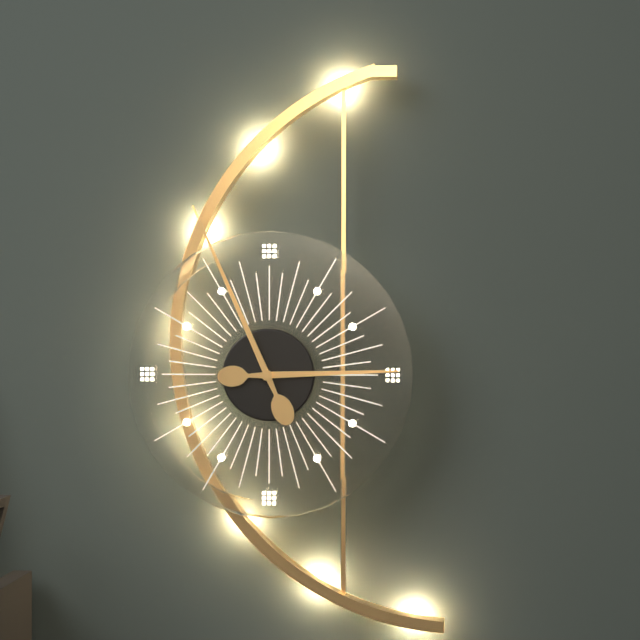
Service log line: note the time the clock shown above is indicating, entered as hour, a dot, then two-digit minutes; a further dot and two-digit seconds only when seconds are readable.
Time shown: 2.56
